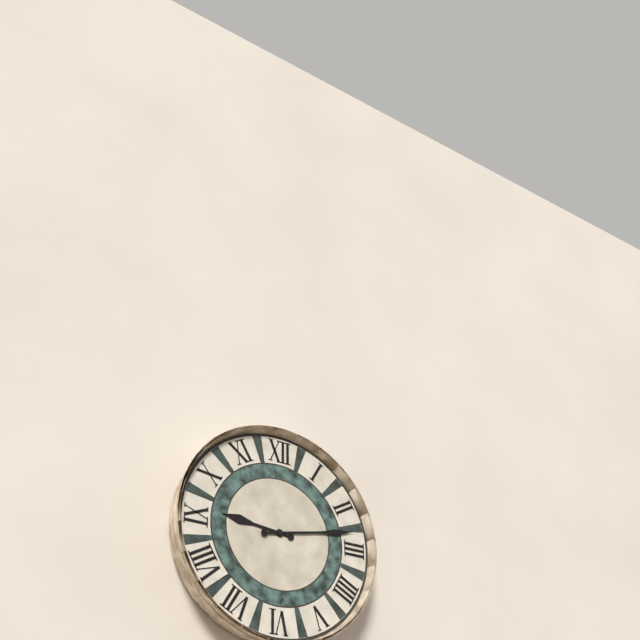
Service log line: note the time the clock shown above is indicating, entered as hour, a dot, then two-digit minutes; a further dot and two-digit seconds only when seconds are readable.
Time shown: 9.13
